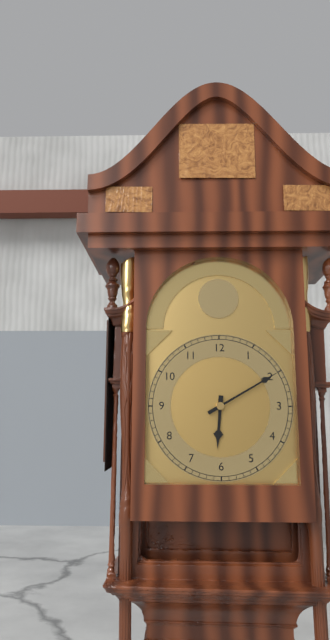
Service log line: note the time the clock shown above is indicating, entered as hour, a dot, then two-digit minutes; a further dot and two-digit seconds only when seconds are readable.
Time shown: 6.10
